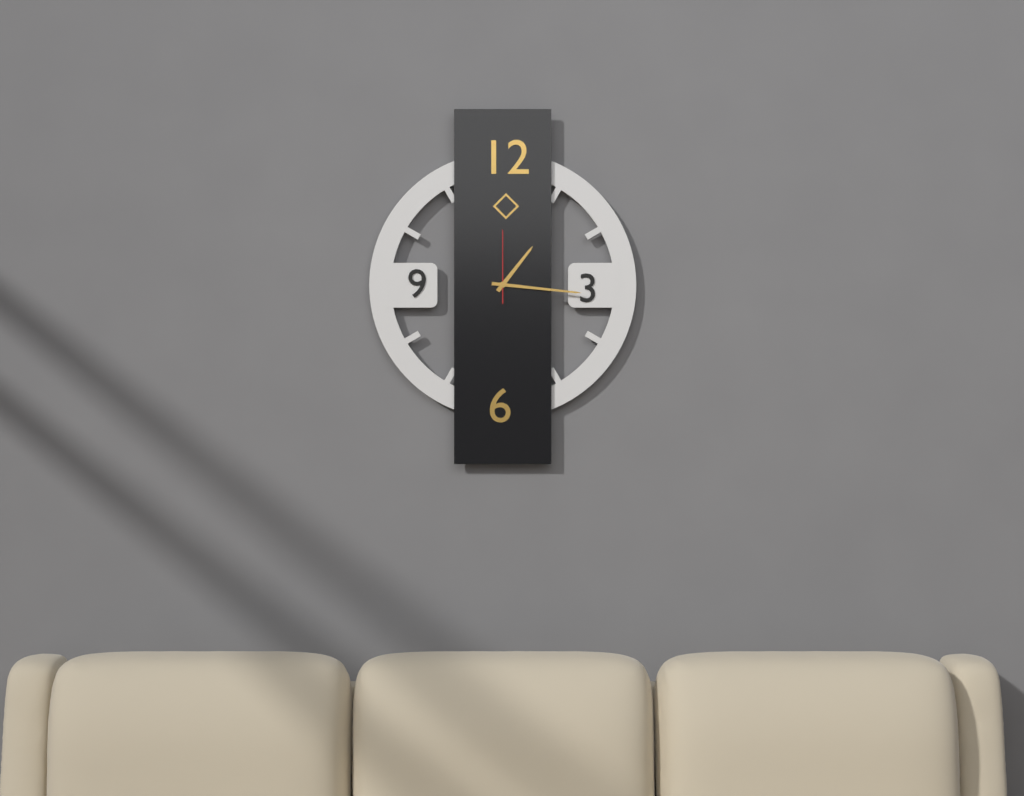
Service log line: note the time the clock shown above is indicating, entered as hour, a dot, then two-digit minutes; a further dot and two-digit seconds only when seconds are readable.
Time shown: 1.16.00
